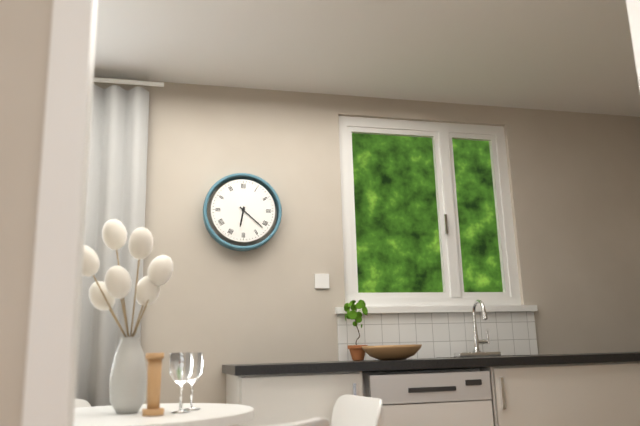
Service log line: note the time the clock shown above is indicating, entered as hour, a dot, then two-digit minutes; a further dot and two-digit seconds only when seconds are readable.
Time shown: 6.22
